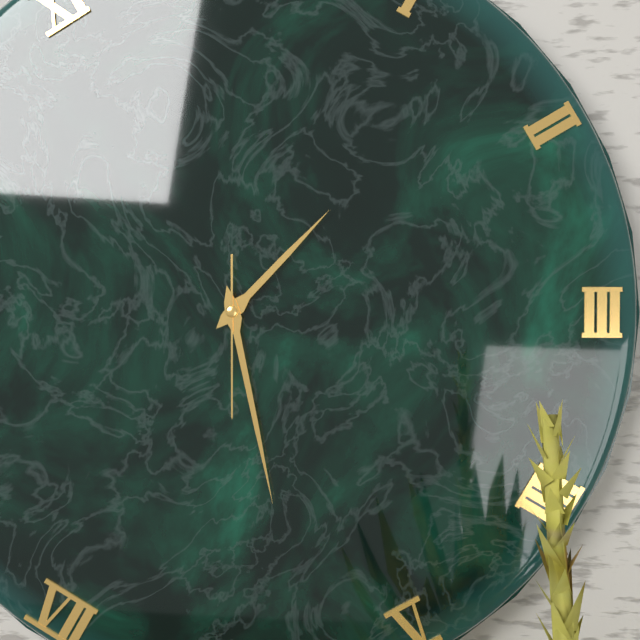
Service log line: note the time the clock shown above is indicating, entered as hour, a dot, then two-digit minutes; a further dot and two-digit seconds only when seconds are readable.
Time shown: 1.28.30
